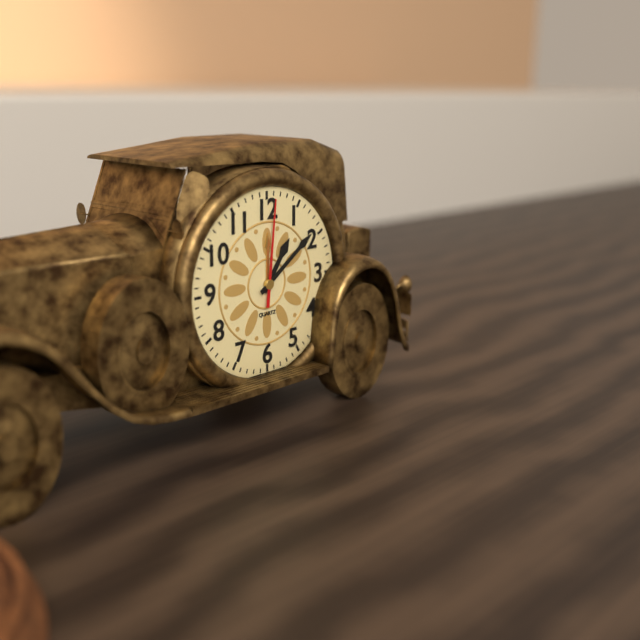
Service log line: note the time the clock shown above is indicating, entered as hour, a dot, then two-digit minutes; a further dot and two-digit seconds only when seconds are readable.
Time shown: 1.09.01
